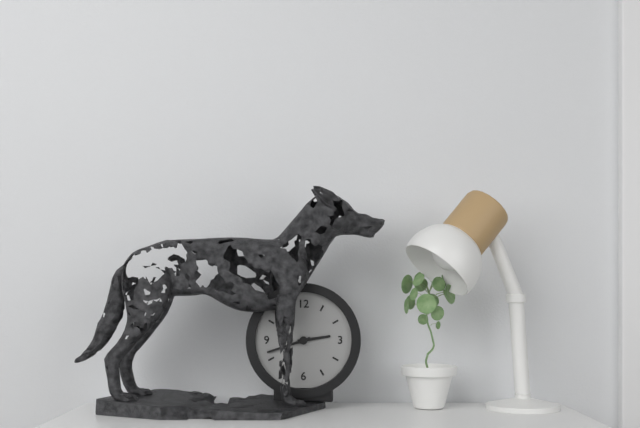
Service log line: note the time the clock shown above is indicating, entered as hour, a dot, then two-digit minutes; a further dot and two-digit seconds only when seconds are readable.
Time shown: 2.42
